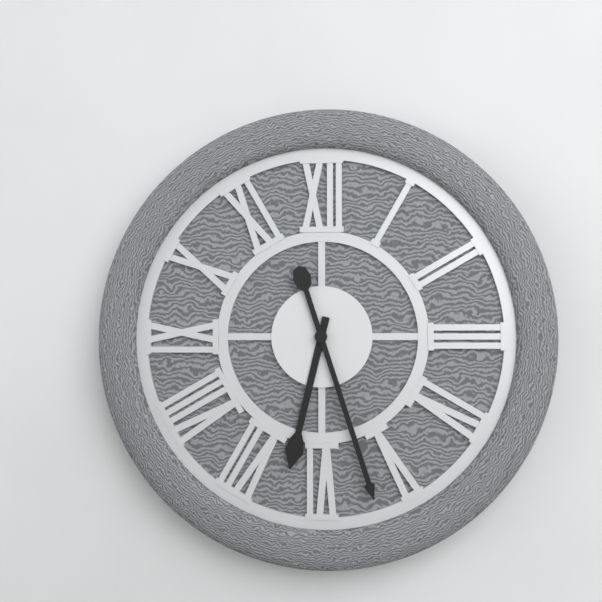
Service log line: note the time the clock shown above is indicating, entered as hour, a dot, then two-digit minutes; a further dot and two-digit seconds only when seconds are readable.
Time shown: 6.27
